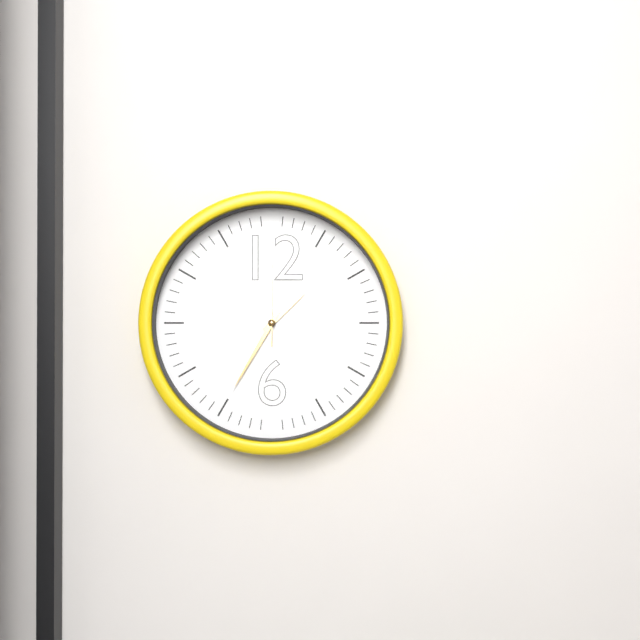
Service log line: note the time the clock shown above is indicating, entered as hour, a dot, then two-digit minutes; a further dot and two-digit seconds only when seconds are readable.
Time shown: 1.35.00
